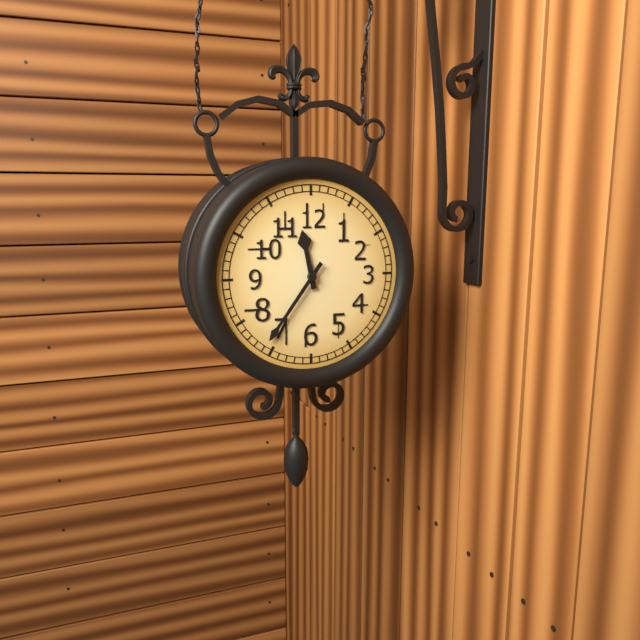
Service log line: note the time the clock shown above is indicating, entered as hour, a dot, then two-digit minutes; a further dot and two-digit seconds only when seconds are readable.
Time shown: 11.36
